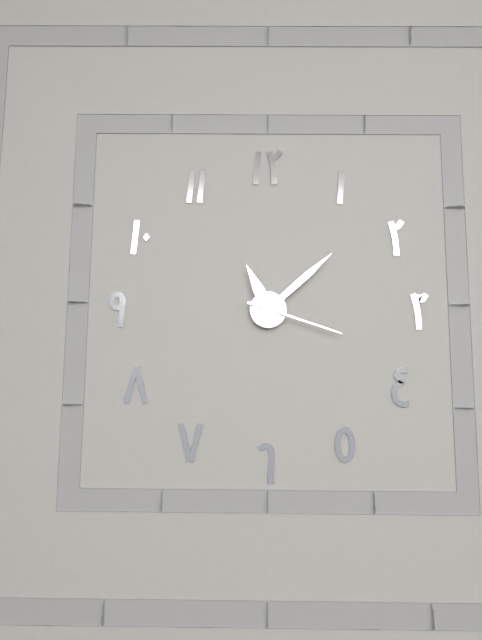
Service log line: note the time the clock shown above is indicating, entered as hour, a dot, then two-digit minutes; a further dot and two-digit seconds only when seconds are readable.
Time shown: 11.08.18
